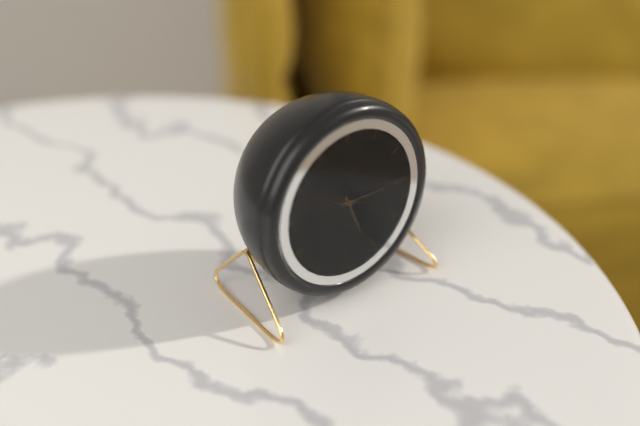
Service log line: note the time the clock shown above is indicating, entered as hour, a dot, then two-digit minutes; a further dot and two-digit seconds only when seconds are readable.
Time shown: 5.15.48
